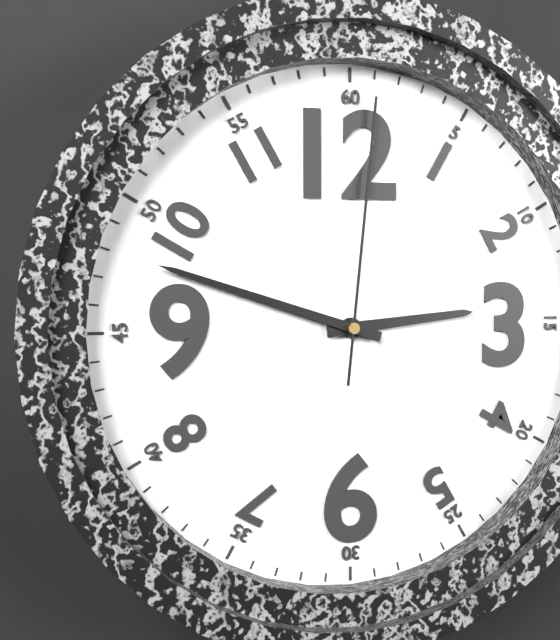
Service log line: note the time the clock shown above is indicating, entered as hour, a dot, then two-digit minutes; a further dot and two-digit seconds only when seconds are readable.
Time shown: 2.48.01
